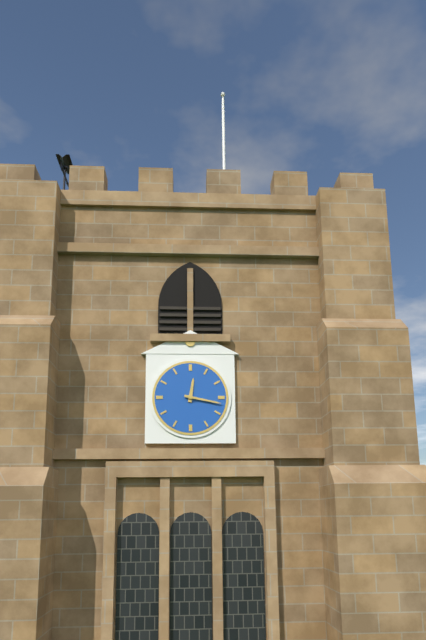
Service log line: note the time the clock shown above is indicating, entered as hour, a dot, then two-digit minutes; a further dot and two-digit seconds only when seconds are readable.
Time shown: 12.17
